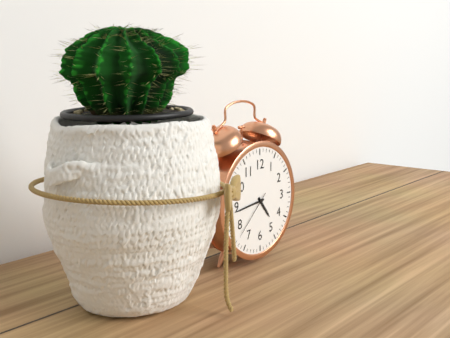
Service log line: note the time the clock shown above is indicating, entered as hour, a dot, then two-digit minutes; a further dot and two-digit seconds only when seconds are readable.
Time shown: 4.44.38
